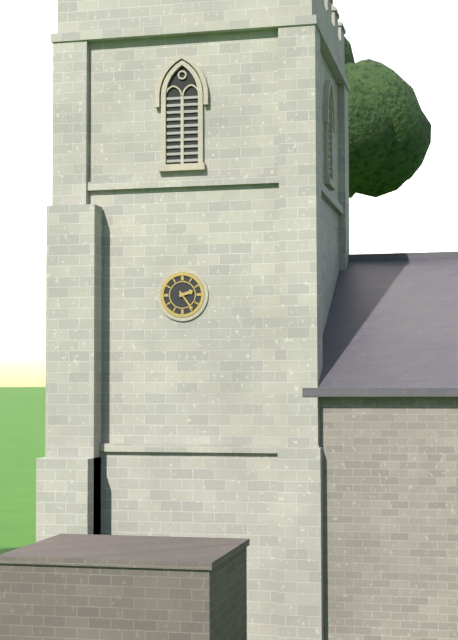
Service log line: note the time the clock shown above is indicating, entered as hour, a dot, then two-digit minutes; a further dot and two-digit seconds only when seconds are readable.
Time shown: 2.24
